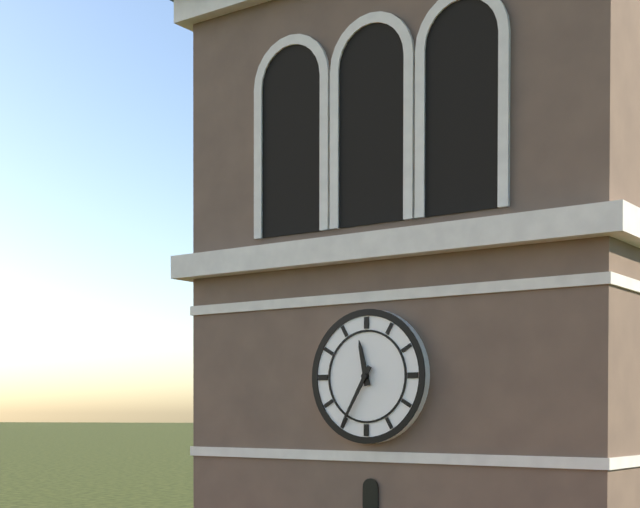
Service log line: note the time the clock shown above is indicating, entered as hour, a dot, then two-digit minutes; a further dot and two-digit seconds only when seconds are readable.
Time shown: 11.35
